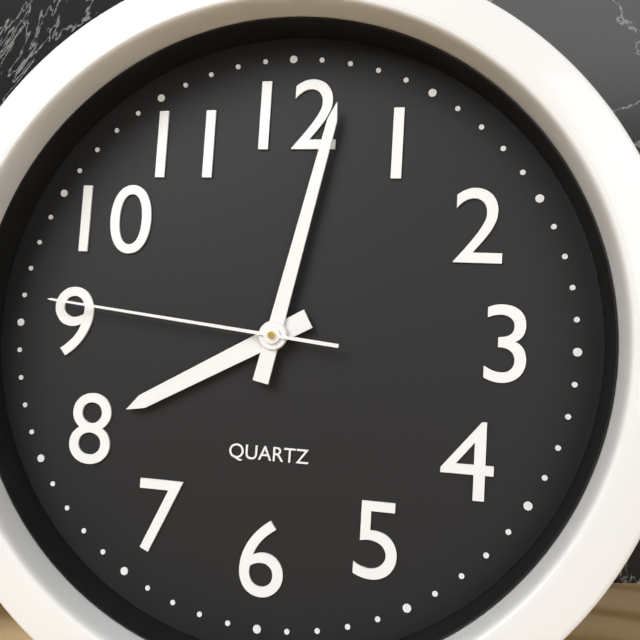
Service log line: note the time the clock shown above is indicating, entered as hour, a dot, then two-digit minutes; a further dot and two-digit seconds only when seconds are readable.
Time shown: 8.02.46
